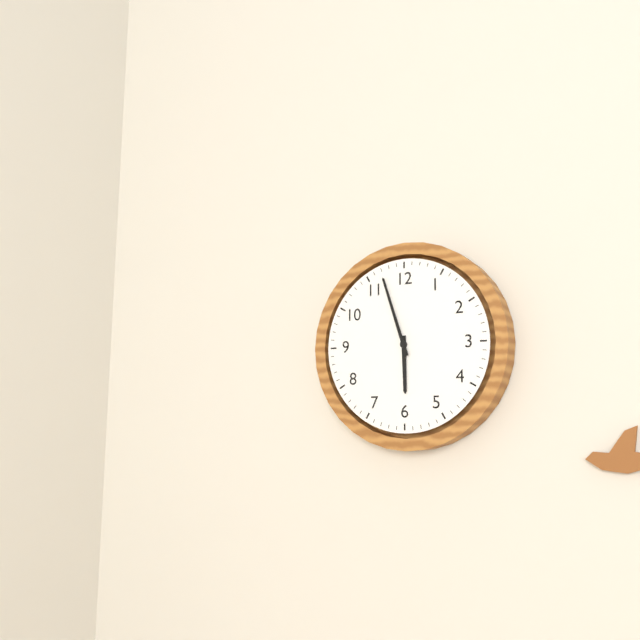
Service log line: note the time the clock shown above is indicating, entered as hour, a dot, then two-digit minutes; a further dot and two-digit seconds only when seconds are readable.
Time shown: 5.57
